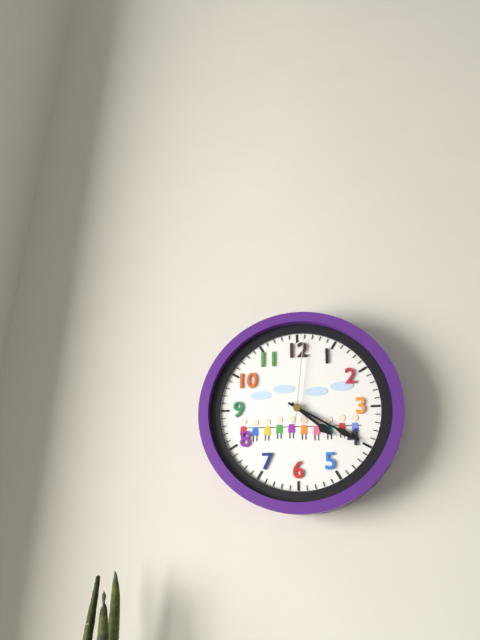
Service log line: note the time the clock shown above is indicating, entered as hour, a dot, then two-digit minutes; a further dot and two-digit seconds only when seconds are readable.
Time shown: 4.20.01
